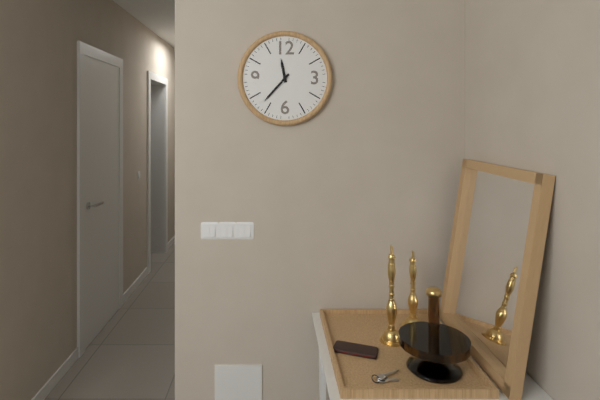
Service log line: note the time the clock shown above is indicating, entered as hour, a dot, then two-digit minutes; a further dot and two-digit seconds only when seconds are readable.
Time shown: 11.37
